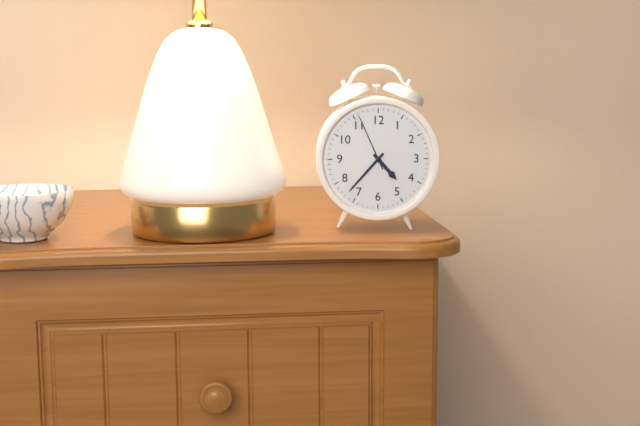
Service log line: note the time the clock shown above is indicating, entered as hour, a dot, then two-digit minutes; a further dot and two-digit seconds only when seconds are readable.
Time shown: 4.37.56
